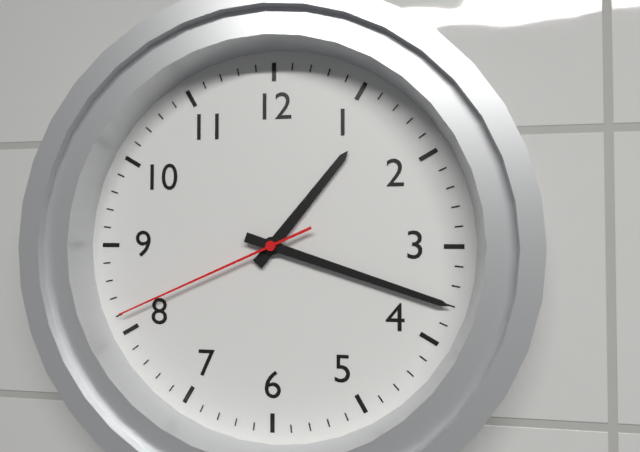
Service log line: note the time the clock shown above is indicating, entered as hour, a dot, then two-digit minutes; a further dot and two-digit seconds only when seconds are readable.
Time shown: 1.18.41
